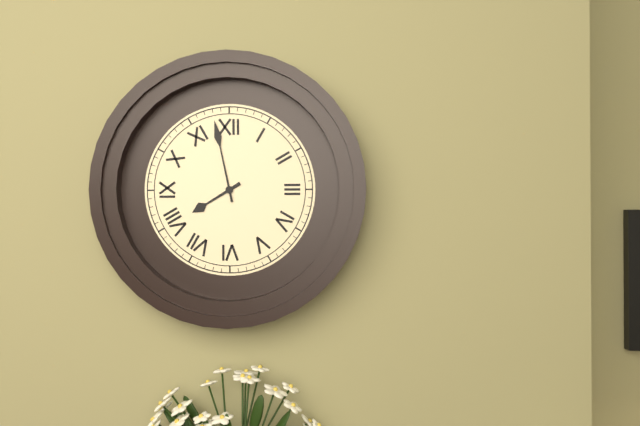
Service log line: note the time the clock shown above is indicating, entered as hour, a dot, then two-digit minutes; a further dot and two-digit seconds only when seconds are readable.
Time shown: 7.58
